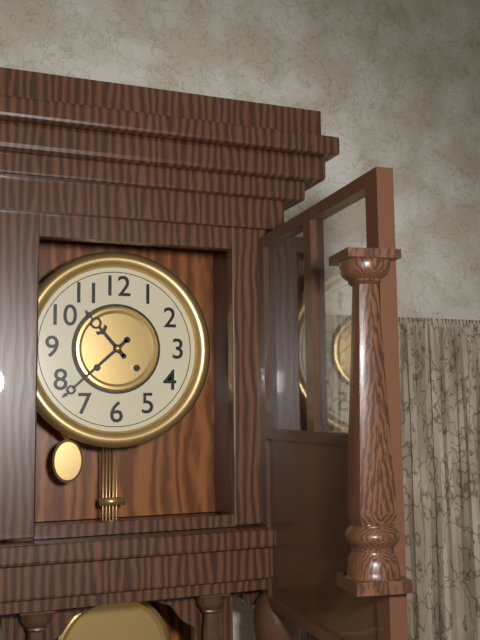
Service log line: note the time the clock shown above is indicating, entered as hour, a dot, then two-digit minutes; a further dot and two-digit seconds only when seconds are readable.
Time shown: 10.38
